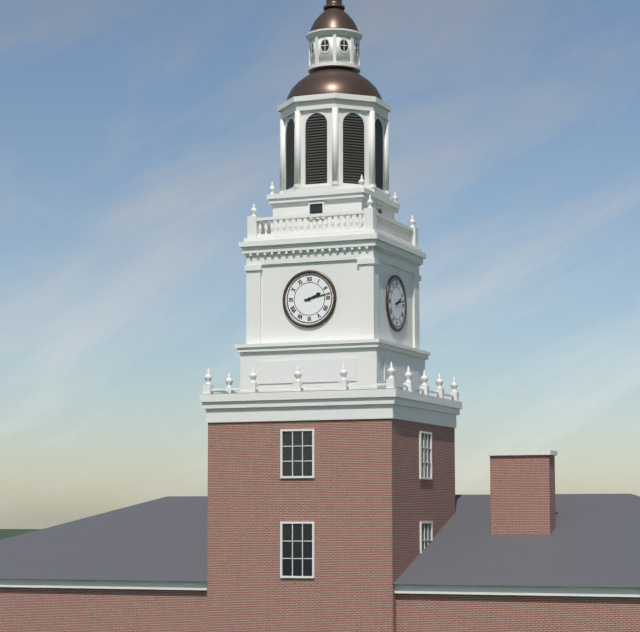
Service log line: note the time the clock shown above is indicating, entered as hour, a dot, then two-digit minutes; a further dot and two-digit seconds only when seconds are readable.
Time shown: 2.13
